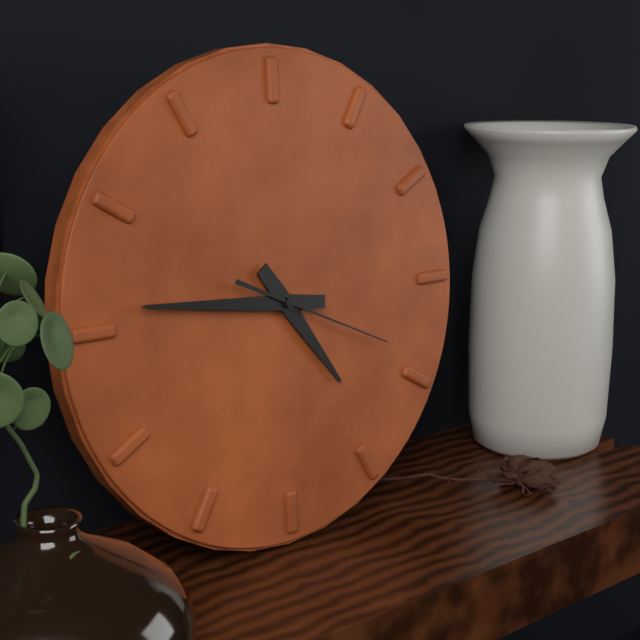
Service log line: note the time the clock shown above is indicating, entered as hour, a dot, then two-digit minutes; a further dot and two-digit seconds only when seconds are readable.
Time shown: 4.46.19
